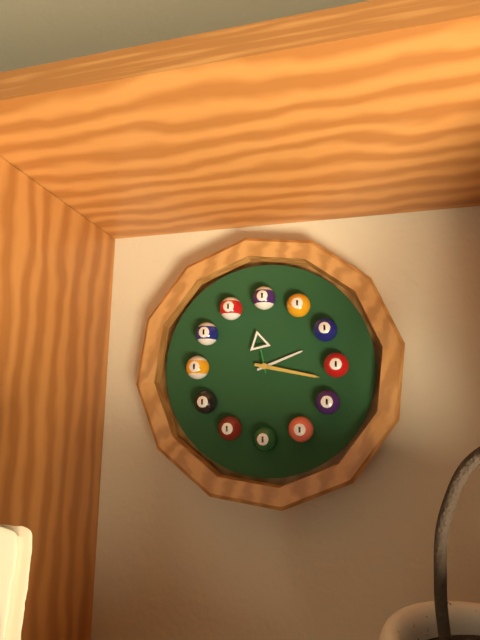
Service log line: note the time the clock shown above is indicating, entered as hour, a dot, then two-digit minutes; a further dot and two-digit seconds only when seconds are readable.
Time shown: 2.17
